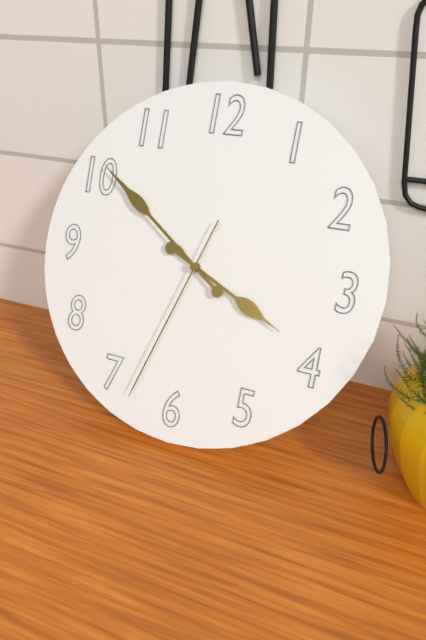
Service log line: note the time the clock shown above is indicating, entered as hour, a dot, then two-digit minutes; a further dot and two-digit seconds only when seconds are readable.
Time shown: 3.51.33
